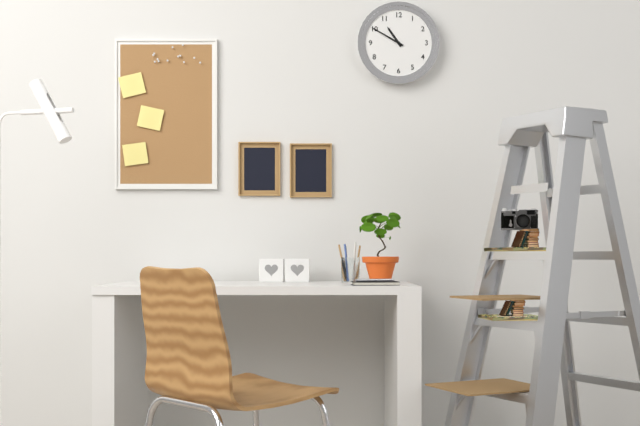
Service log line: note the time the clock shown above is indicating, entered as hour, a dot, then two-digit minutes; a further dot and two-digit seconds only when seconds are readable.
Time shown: 10.50
